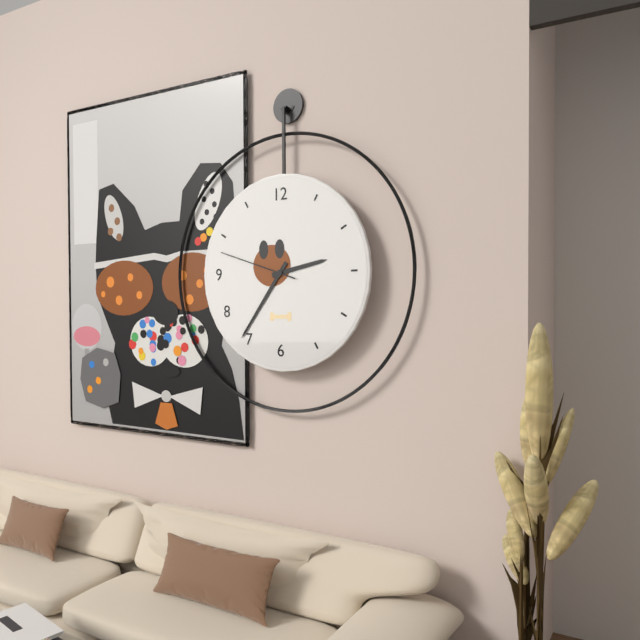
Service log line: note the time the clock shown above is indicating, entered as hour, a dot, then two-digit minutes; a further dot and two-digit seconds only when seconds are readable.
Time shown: 2.36.48
